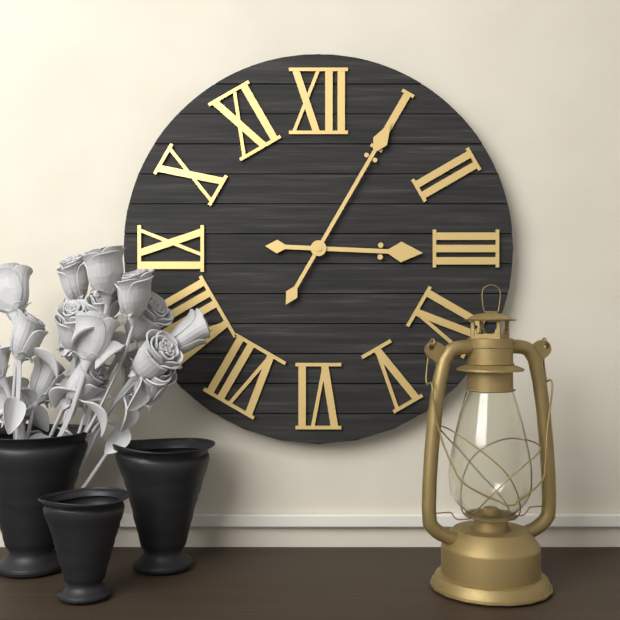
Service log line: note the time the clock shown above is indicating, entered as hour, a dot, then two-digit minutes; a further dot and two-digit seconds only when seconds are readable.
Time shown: 3.05
